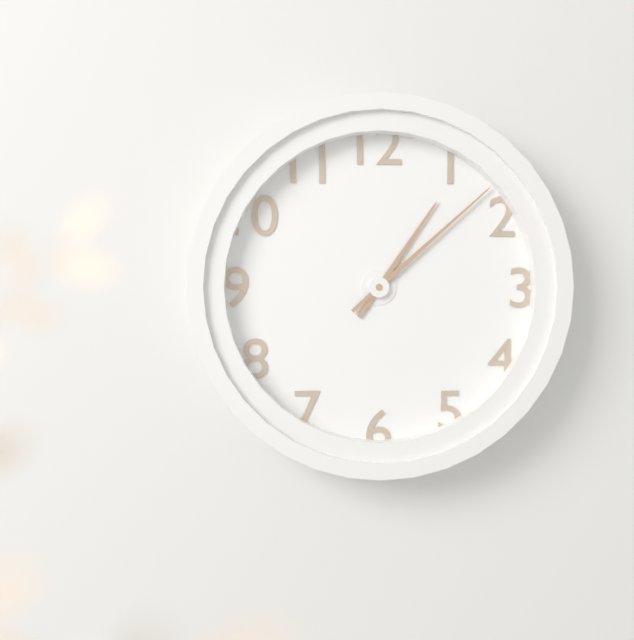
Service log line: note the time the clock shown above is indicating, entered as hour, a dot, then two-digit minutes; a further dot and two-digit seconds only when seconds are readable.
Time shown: 1.08
